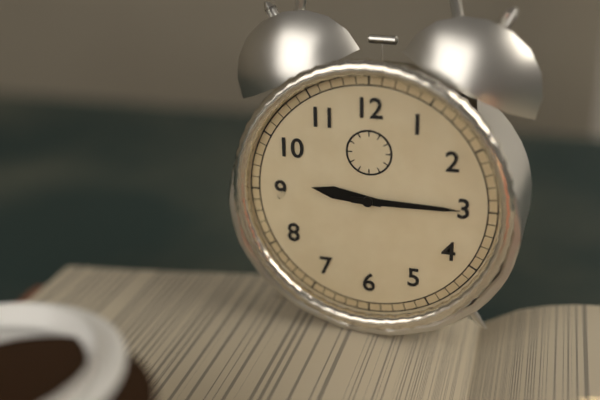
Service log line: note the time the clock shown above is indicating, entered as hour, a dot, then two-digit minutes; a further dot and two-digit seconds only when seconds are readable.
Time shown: 9.15
